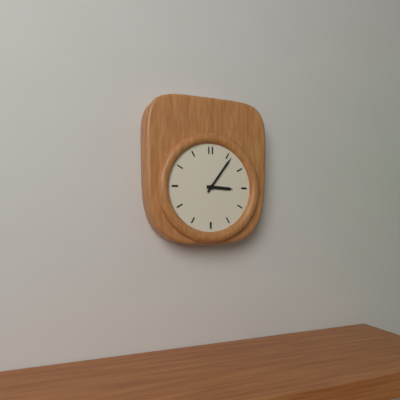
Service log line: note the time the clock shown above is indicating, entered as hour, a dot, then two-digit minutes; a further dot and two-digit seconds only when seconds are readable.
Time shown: 3.06
